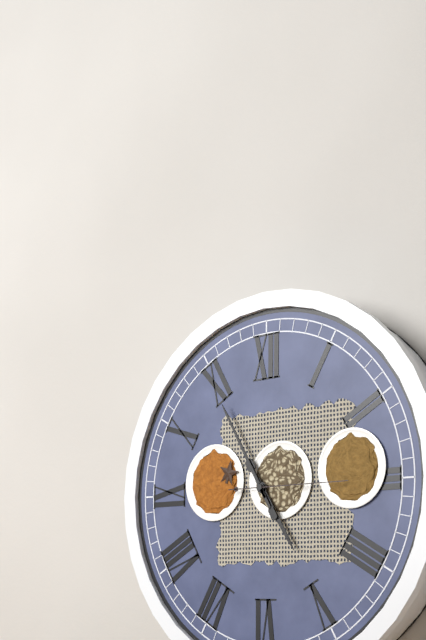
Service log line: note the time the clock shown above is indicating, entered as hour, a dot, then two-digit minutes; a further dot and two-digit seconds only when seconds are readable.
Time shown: 4.55.15
